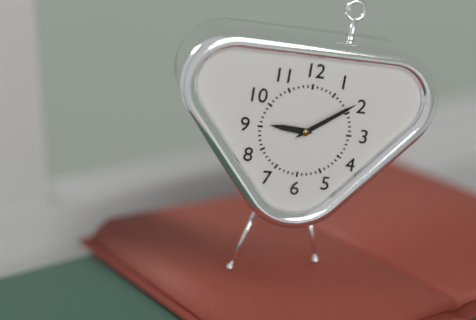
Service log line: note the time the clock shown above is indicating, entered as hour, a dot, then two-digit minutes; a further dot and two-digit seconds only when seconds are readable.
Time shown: 9.09
